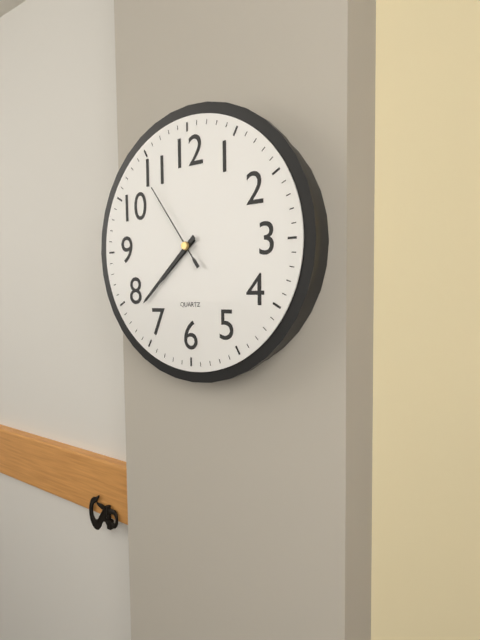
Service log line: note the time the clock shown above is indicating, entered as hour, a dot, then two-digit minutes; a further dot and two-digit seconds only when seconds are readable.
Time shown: 7.38.54
